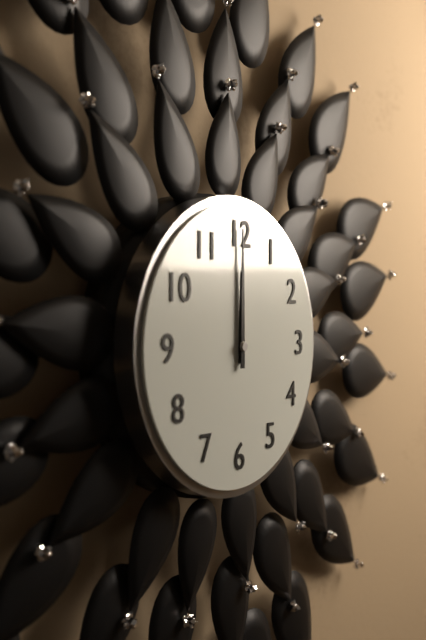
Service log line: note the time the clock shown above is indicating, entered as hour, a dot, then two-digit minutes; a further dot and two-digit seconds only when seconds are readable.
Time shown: 12.00
